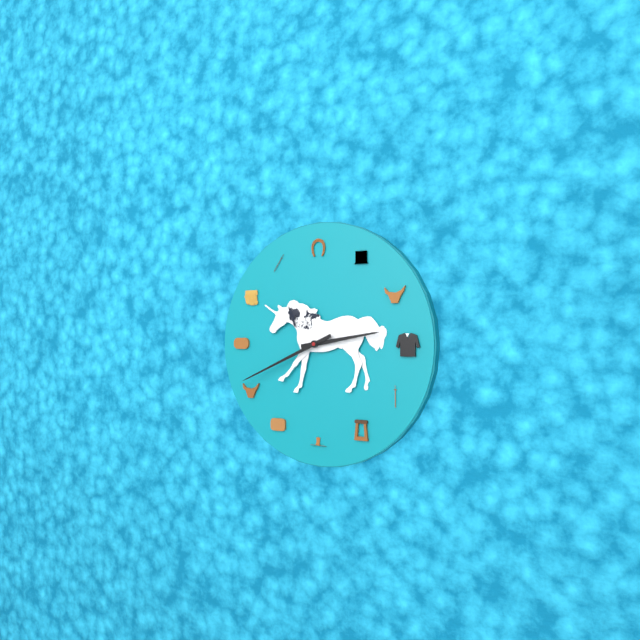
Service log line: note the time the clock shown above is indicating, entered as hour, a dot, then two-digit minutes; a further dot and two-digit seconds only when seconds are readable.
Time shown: 2.41
